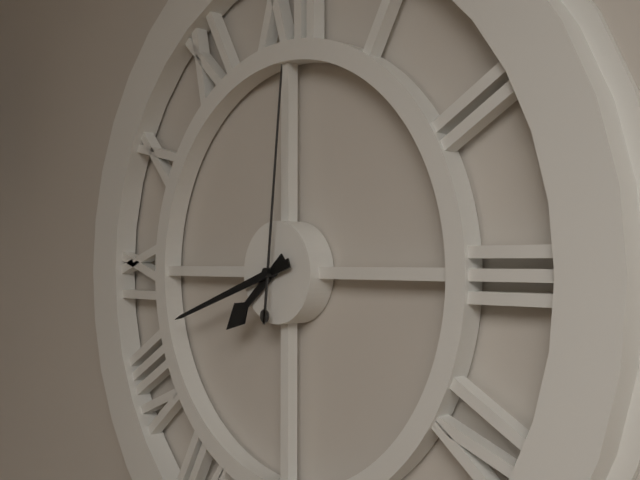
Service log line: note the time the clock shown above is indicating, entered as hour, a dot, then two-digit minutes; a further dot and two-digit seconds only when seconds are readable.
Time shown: 7.42.01
